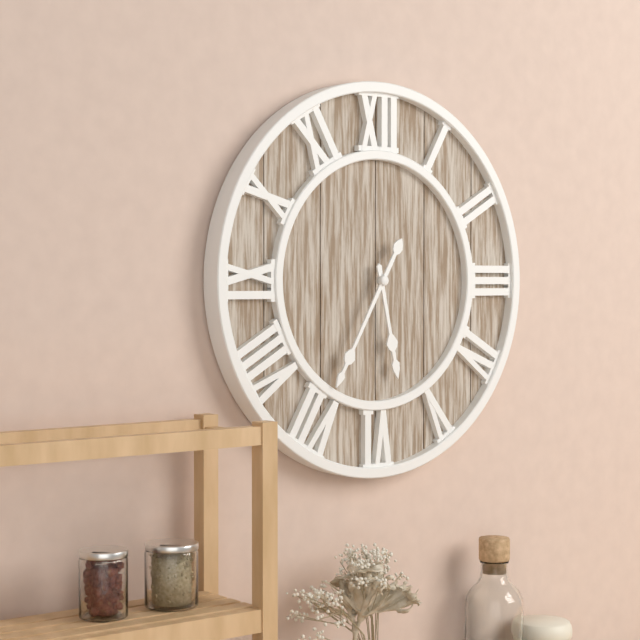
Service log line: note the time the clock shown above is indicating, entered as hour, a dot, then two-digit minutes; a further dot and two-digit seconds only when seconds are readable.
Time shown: 5.35
